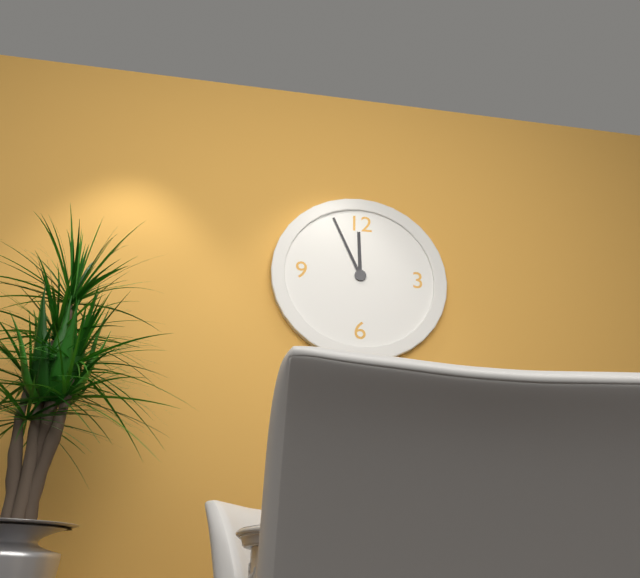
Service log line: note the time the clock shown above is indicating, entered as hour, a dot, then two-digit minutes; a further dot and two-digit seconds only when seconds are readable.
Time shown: 11.56
